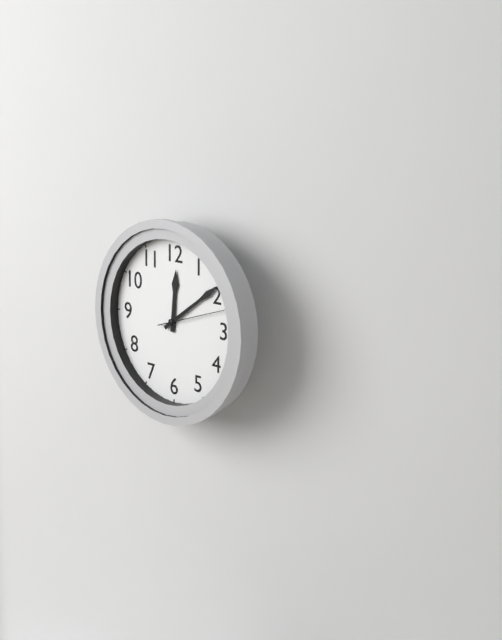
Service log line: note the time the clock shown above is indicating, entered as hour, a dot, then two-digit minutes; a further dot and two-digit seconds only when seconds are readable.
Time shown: 12.09.12
